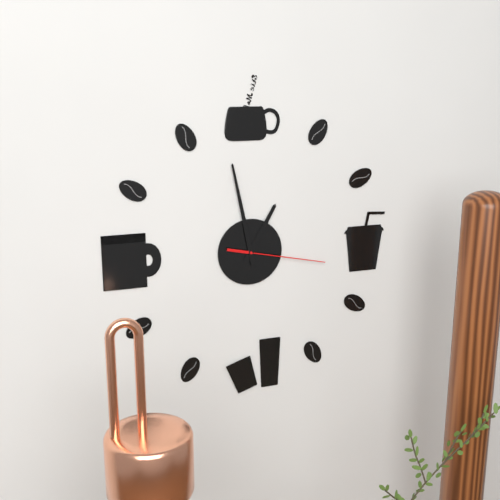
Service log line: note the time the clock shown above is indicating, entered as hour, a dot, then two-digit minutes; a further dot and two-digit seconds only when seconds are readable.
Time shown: 12.58.17
